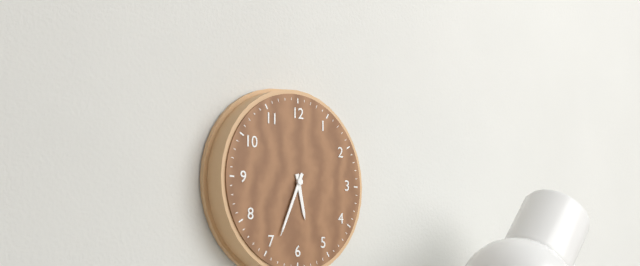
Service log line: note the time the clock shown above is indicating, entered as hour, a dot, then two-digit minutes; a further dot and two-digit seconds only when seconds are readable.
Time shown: 5.34
